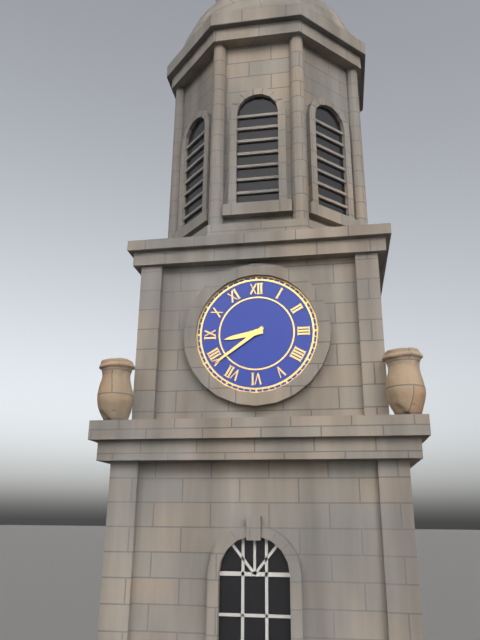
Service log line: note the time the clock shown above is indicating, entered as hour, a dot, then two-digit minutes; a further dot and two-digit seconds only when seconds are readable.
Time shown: 8.39
